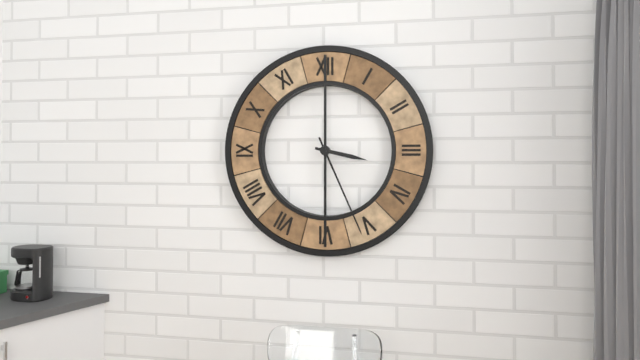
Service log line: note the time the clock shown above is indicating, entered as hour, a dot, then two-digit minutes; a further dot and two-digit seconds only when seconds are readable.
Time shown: 3.26
